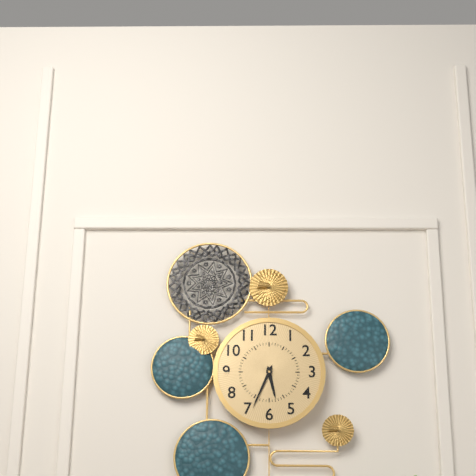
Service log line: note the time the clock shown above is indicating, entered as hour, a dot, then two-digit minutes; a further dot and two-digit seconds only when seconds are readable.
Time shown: 5.34
